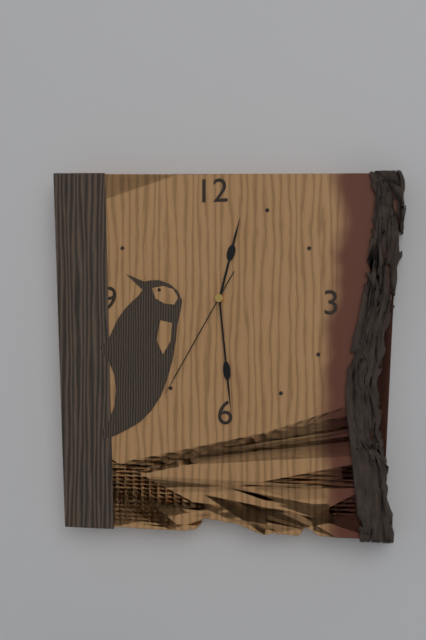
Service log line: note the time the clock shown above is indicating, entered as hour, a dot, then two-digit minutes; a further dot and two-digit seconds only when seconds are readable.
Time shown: 12.29.35
